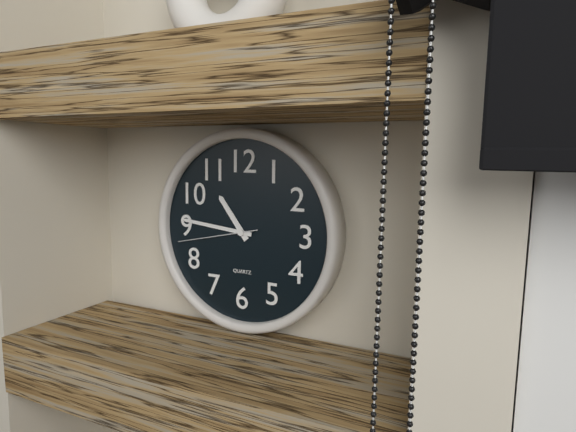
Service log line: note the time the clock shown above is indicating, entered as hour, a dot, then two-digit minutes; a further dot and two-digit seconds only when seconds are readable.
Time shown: 10.46.43
